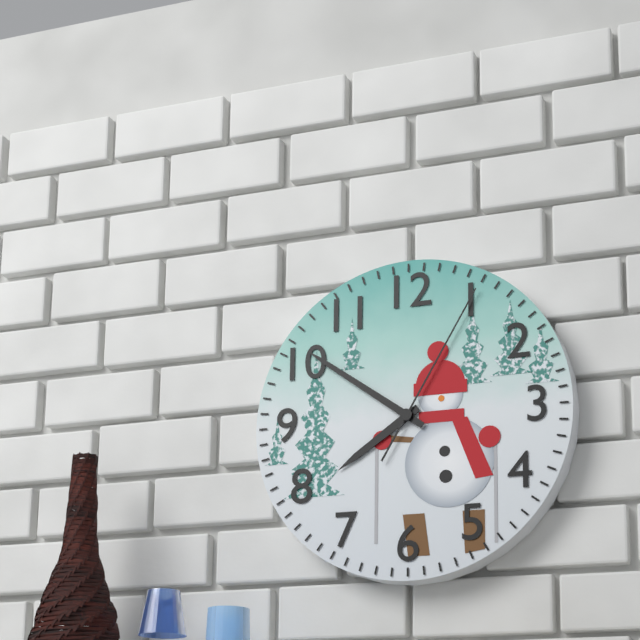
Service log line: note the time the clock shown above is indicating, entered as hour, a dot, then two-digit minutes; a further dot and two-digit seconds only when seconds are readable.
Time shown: 7.51.05
